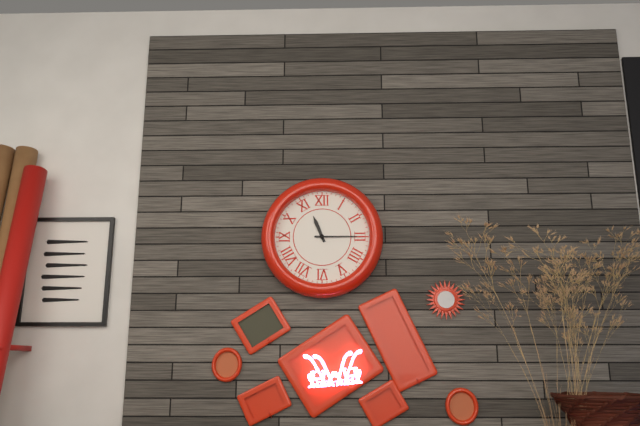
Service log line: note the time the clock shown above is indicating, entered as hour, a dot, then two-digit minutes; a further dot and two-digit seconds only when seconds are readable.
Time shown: 11.15
